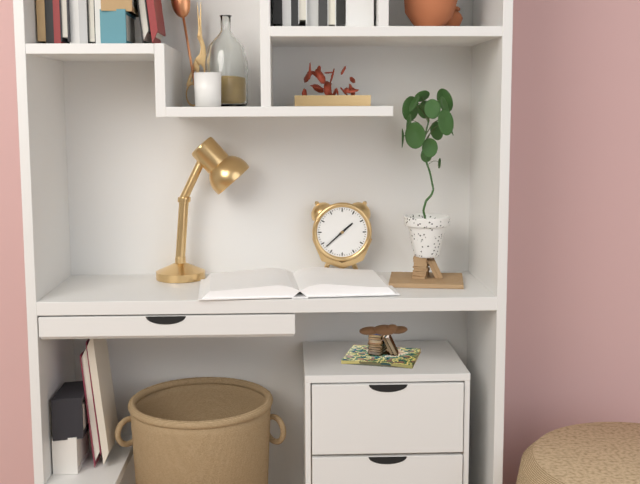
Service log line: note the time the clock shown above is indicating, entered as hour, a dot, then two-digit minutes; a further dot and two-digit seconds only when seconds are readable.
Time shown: 1.38
